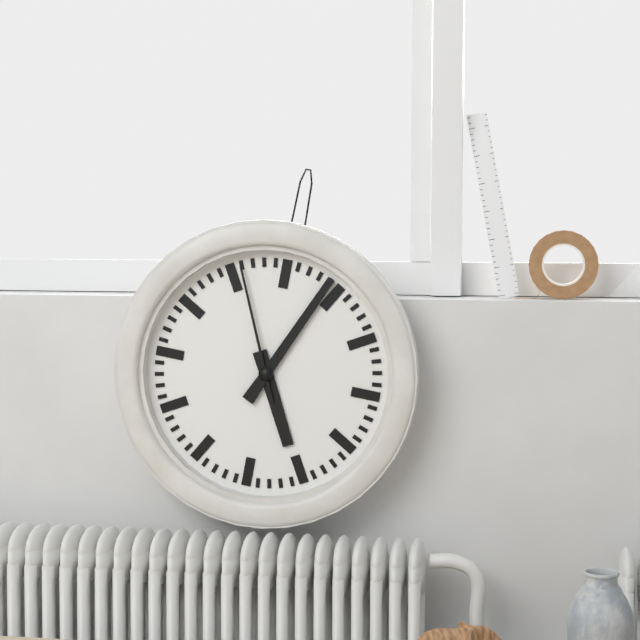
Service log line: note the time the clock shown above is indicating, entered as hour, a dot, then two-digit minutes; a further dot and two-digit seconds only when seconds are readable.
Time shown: 5.04.56
